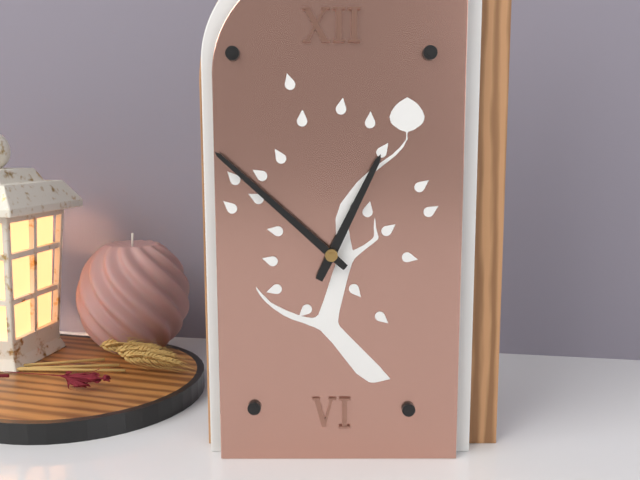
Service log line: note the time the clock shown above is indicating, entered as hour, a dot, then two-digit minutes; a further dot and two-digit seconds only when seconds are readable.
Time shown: 12.52
